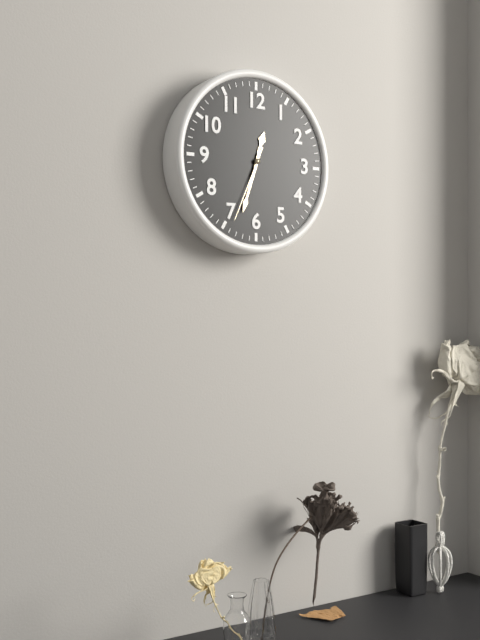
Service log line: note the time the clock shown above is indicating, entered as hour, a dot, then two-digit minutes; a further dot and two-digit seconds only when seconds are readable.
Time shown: 12.33.34
